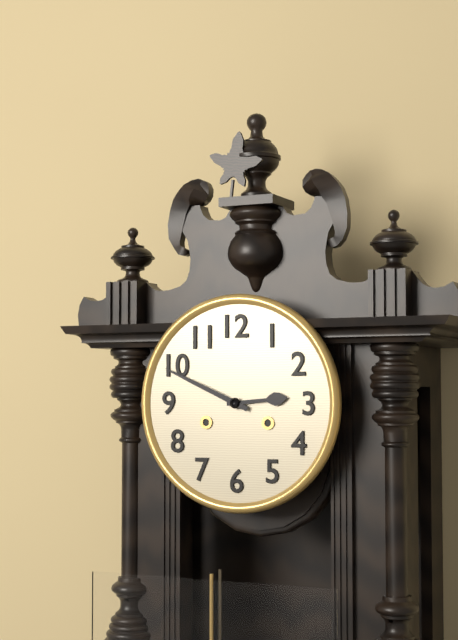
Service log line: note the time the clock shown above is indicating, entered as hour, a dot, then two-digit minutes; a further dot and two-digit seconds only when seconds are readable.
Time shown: 2.49
